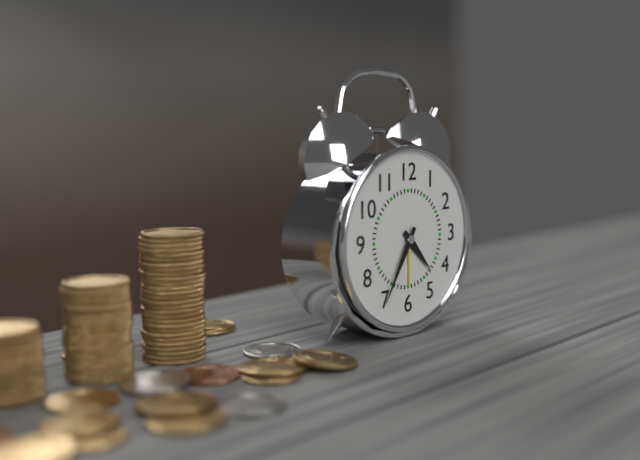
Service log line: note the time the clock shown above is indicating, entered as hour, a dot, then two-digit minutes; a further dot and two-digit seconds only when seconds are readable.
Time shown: 4.35
